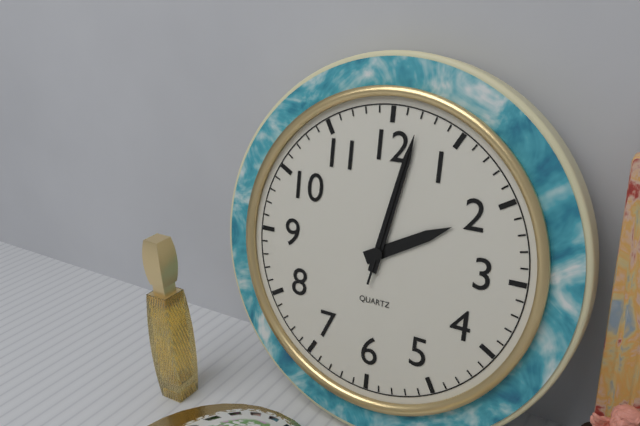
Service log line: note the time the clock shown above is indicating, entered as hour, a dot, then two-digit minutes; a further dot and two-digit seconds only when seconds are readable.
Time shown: 2.02.02
